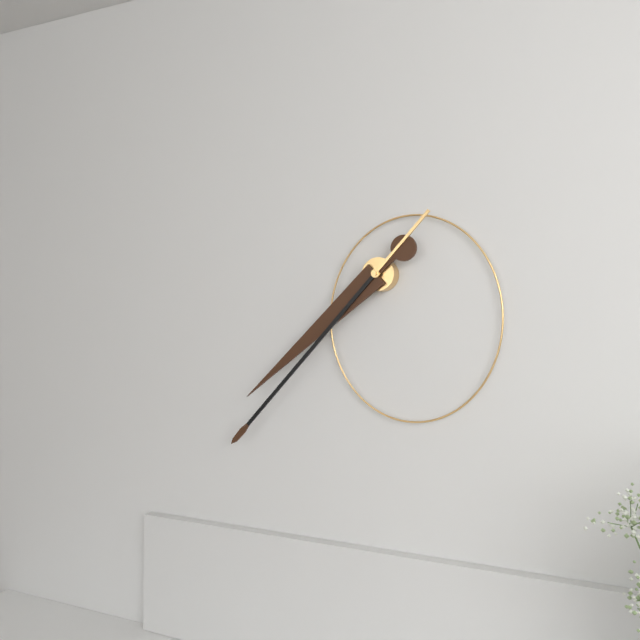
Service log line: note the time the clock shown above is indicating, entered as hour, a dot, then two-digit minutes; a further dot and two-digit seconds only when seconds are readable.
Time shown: 7.37
